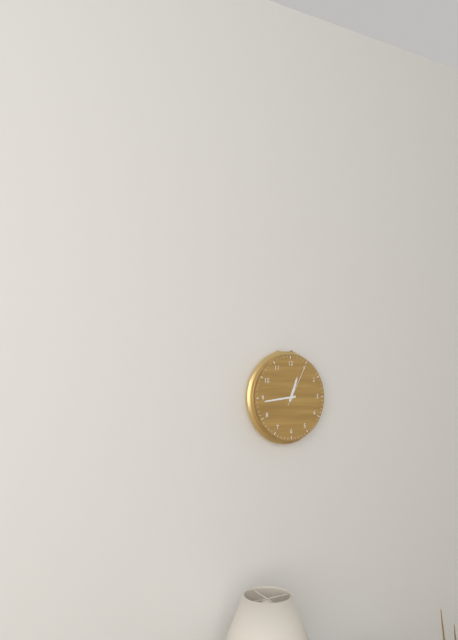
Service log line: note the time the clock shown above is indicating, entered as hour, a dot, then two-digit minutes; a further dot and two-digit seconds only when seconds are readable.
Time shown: 12.44
